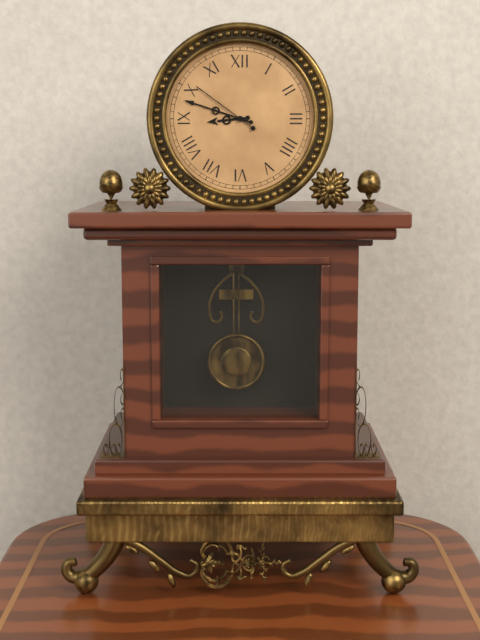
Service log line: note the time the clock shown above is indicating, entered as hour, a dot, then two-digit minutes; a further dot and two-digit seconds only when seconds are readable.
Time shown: 8.48.51
